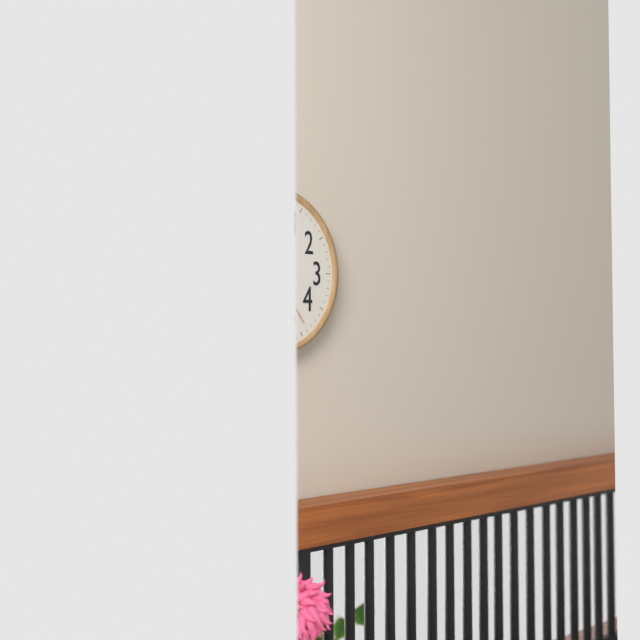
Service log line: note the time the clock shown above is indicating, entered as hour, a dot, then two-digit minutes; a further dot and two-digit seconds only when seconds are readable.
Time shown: 5.43.24
